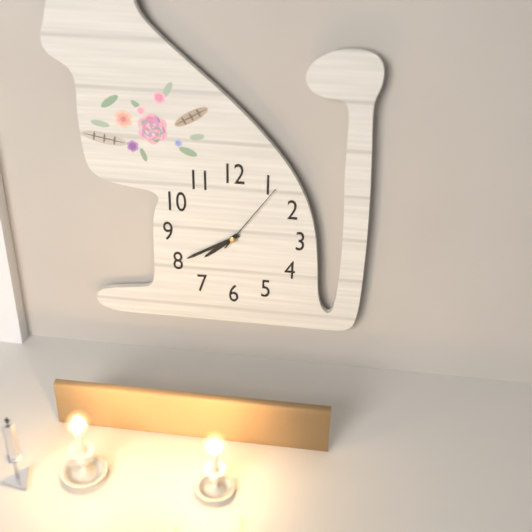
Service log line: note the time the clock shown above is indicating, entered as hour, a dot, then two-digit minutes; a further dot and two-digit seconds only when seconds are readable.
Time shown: 7.40.06
